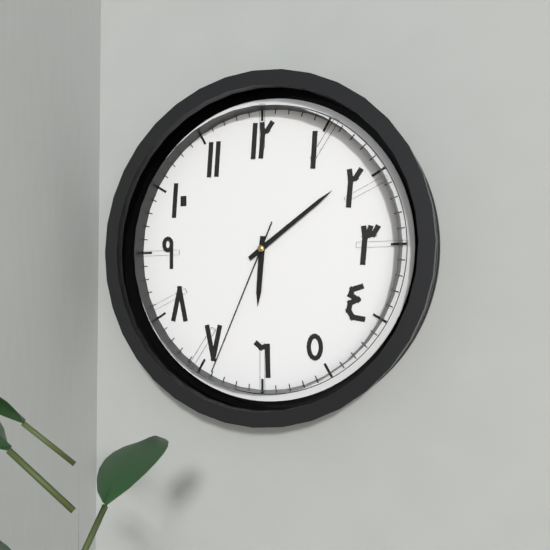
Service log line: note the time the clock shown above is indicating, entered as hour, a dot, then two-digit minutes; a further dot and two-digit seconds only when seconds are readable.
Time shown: 6.09.34
